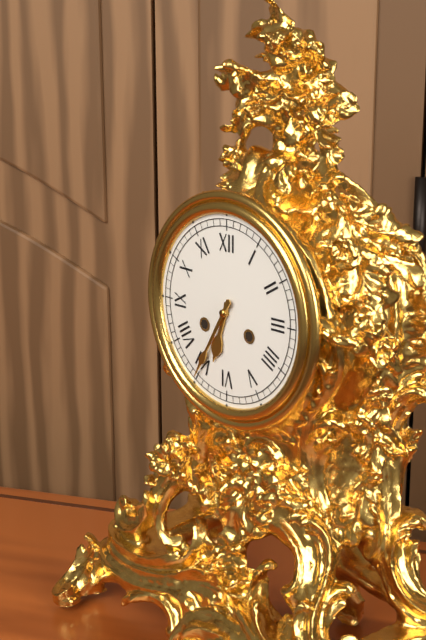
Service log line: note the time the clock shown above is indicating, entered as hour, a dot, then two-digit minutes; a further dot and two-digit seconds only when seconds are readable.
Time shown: 6.35
